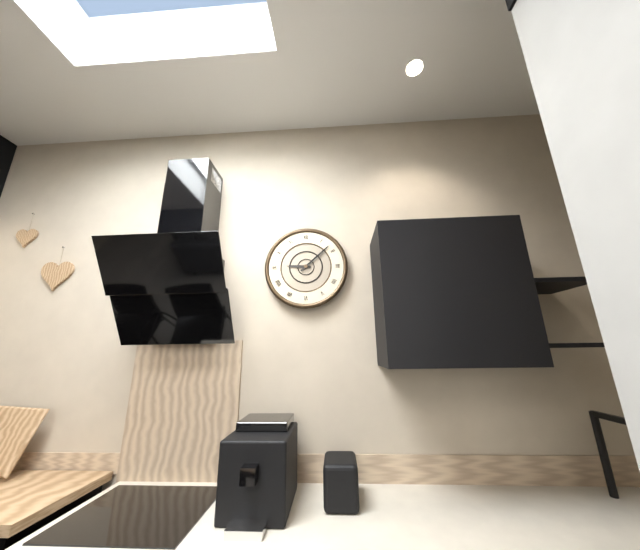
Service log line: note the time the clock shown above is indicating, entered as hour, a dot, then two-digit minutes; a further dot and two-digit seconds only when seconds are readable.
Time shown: 9.08
